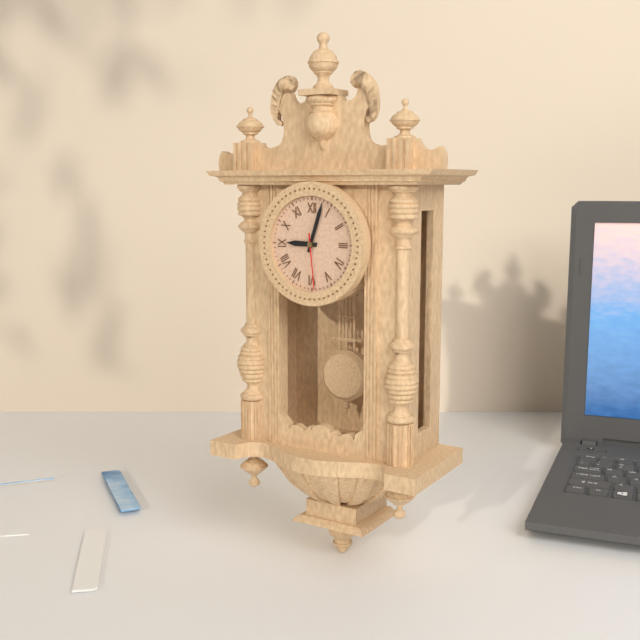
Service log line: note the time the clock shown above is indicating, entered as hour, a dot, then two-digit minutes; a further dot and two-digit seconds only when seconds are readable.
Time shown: 9.03.29
